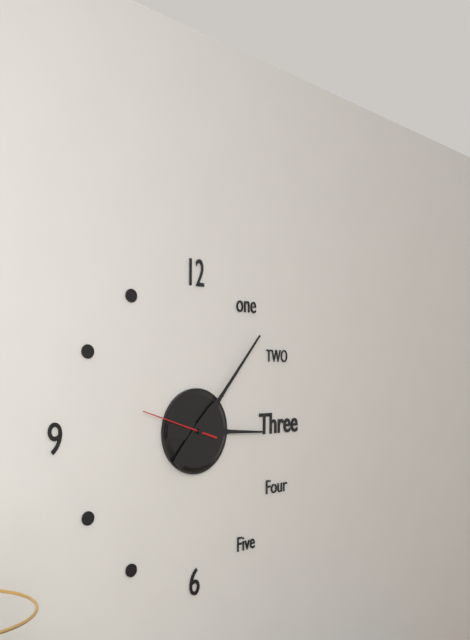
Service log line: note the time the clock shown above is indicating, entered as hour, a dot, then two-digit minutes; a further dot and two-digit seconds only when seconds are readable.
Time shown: 3.07.48
